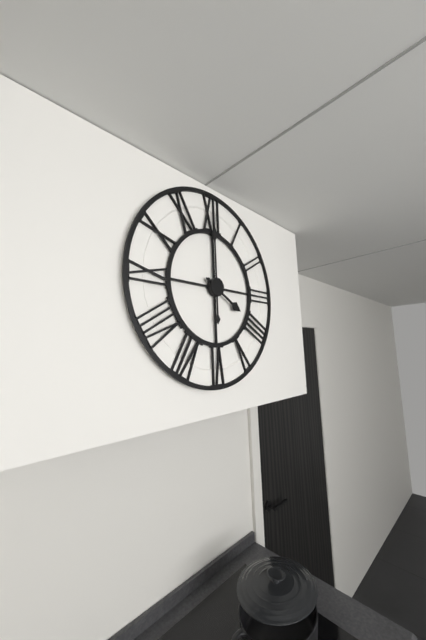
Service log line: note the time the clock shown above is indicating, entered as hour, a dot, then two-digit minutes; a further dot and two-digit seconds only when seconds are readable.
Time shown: 4.00
